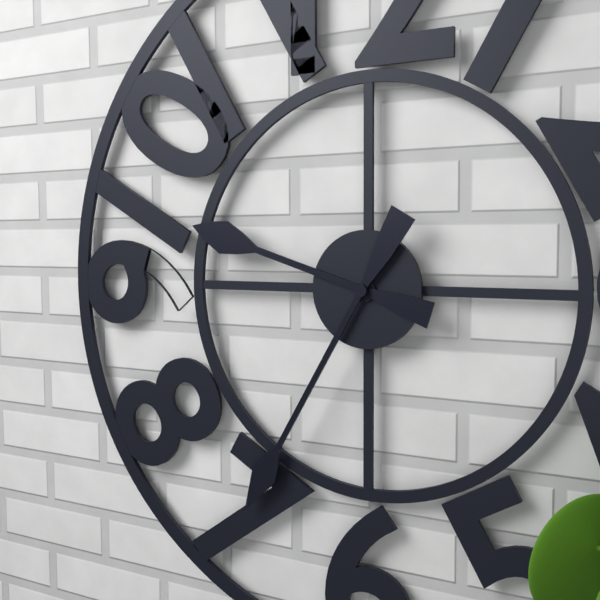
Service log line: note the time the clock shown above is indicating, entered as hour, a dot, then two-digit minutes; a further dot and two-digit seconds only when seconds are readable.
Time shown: 9.35
